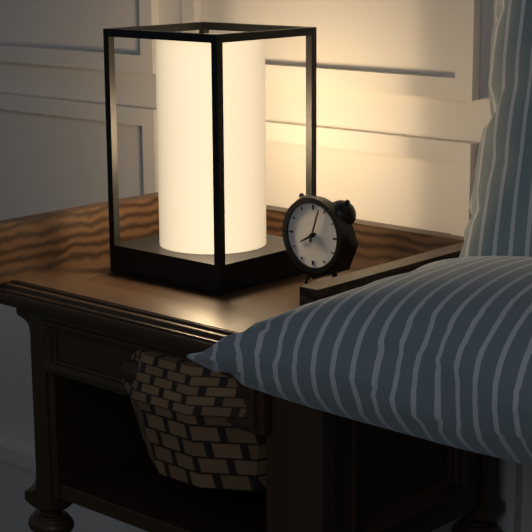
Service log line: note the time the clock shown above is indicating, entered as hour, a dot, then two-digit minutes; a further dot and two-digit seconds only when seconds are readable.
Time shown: 8.03
